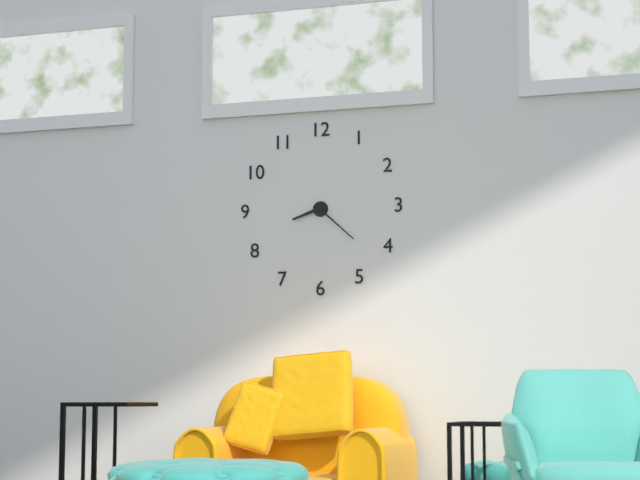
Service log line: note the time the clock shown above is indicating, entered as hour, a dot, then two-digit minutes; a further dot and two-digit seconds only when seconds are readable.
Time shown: 8.22
